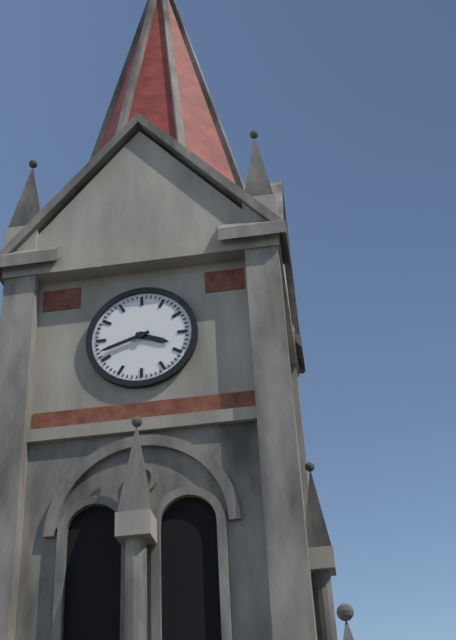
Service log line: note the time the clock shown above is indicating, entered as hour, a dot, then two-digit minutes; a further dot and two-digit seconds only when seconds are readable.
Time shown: 3.42
